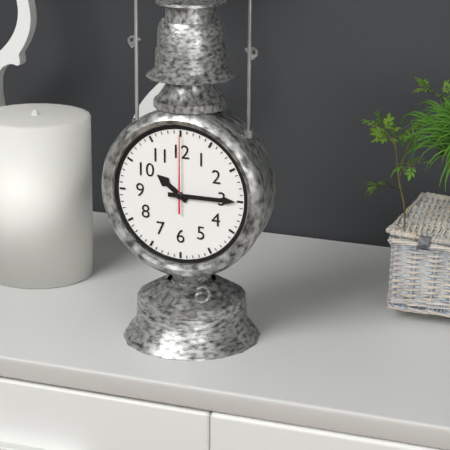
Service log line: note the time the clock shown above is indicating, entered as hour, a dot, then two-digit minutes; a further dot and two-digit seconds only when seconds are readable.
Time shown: 10.15.00
